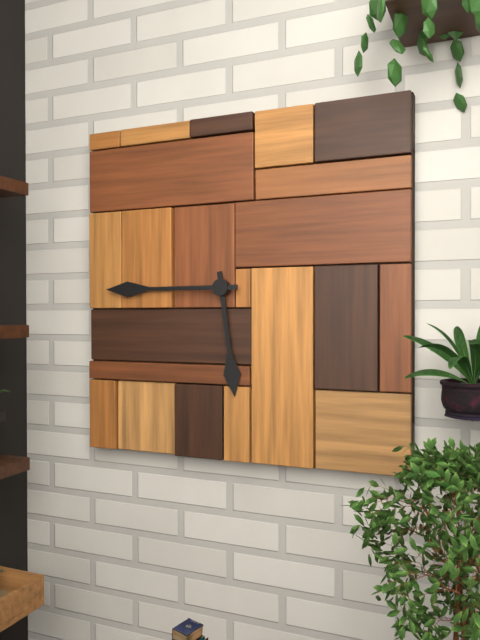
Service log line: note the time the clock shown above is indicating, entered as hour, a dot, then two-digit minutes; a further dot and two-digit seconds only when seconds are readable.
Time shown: 5.45
